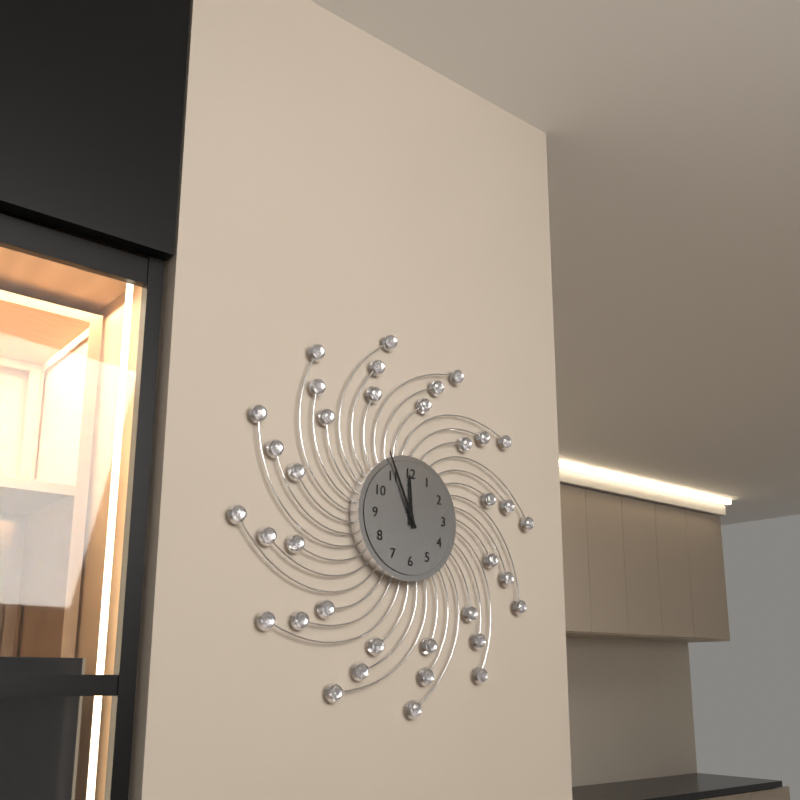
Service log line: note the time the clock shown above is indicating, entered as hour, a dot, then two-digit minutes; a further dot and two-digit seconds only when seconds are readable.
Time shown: 11.56
